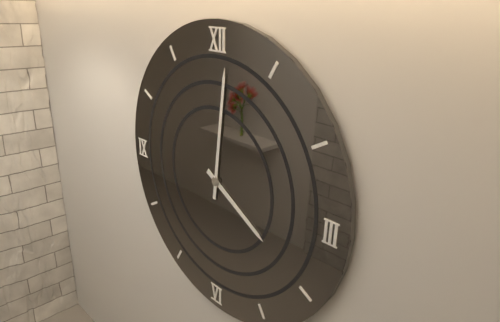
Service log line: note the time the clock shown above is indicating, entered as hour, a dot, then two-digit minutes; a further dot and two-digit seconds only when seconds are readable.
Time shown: 4.01
